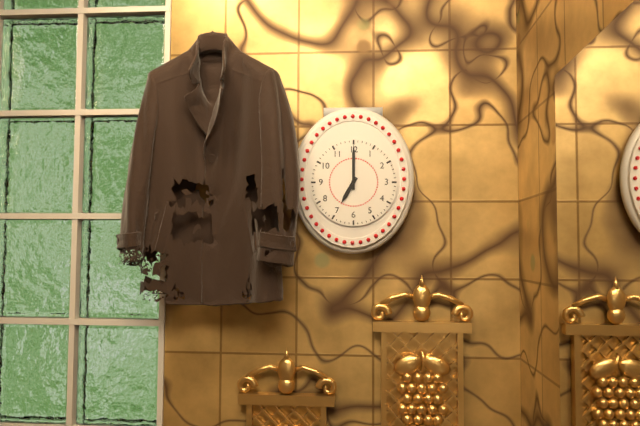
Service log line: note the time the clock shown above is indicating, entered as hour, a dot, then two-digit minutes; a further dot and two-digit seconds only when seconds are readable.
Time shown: 7.00
